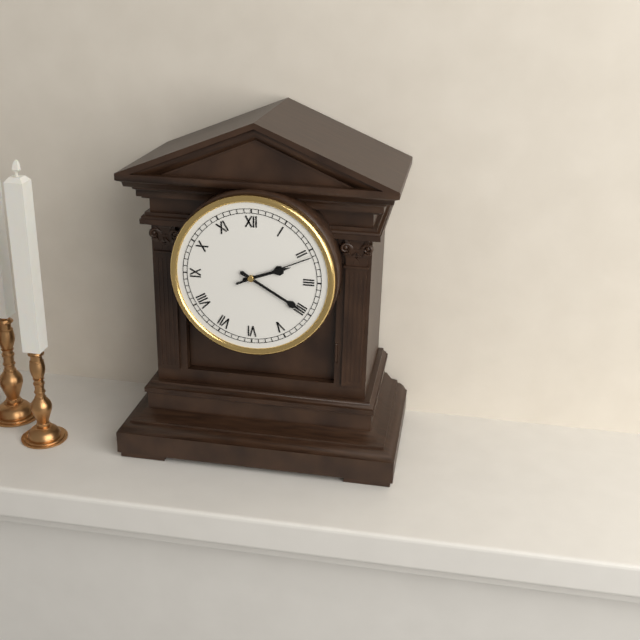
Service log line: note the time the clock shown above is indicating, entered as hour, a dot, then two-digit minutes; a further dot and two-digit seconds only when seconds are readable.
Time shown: 2.20.11
